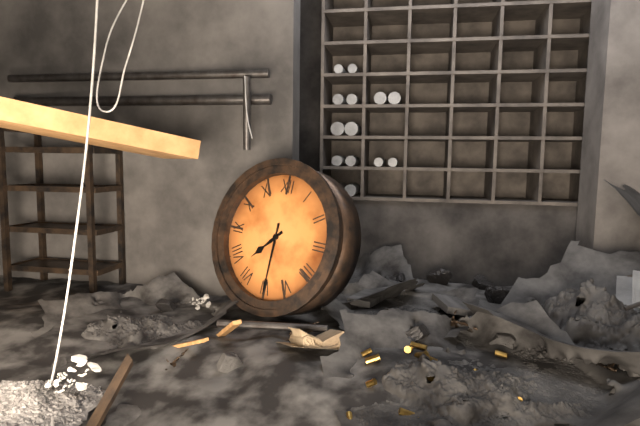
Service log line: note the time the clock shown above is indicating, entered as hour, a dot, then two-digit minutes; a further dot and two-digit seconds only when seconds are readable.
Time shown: 7.30
